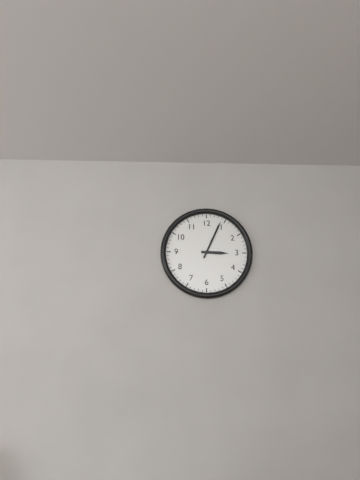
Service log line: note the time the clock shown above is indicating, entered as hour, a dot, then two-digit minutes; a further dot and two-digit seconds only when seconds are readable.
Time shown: 3.04
